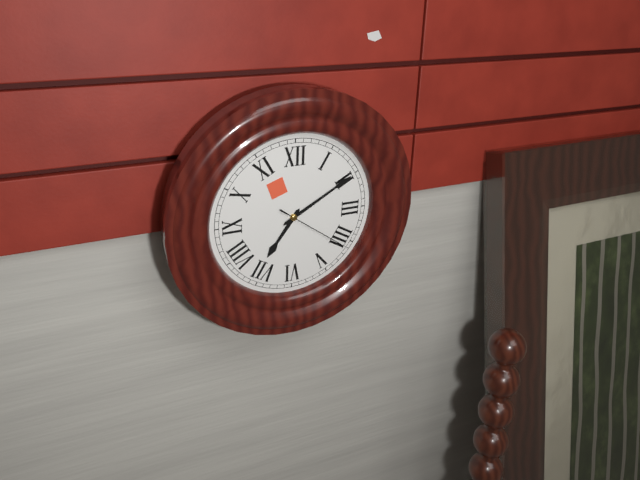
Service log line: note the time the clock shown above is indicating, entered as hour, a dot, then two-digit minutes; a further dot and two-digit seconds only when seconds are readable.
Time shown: 7.10.21
